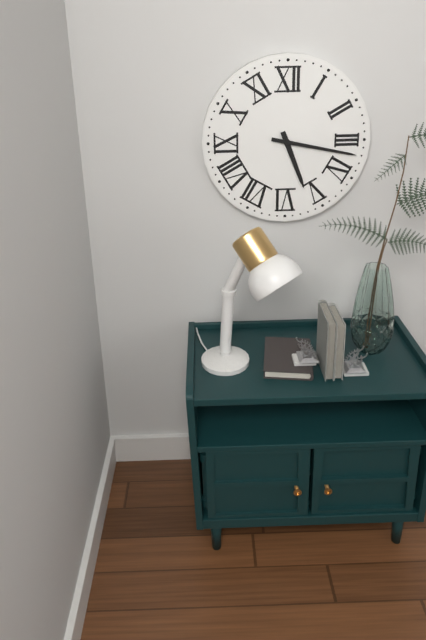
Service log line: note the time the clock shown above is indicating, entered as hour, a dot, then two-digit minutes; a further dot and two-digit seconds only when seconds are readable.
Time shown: 5.17
